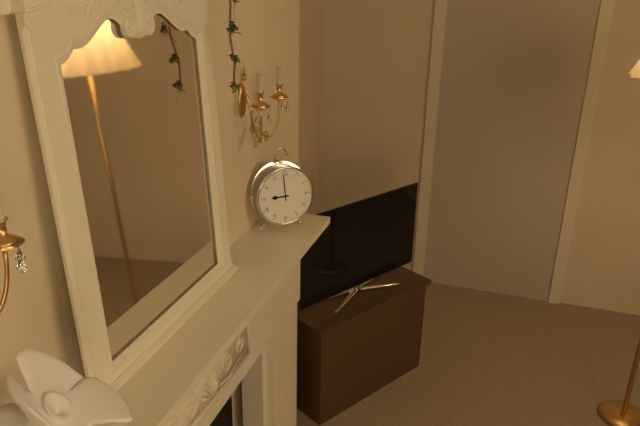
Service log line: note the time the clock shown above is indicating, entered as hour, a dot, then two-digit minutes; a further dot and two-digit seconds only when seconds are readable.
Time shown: 8.59
